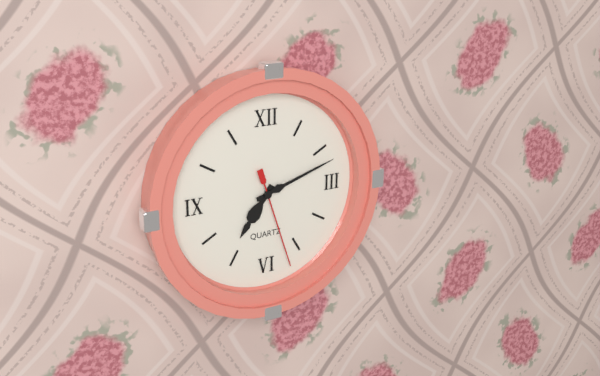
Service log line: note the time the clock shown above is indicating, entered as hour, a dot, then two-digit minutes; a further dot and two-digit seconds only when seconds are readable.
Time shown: 7.12.27
